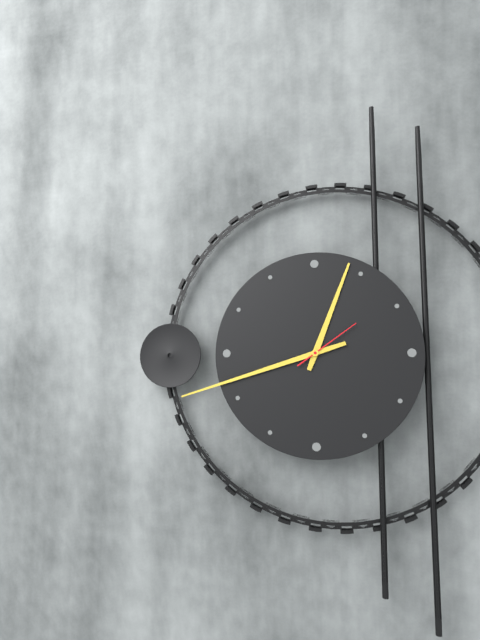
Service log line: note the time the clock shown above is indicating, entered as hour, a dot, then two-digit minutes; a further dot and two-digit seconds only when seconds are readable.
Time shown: 12.42.09
